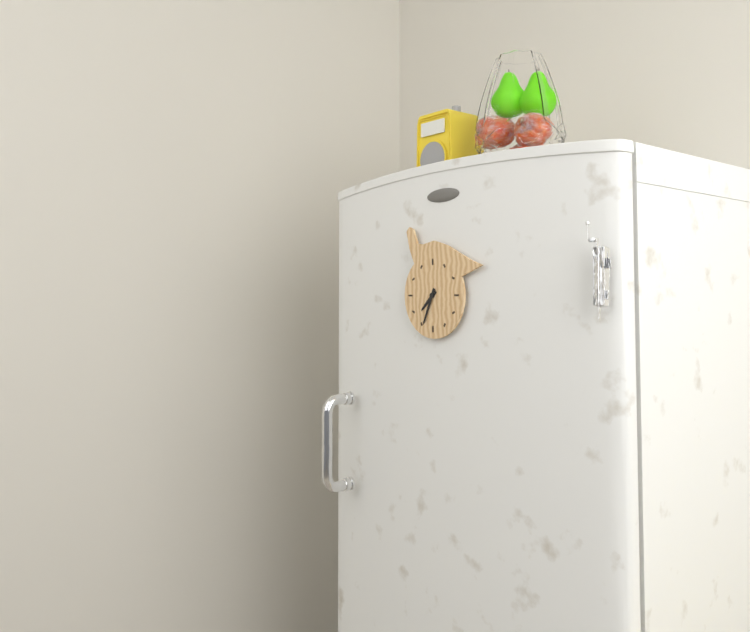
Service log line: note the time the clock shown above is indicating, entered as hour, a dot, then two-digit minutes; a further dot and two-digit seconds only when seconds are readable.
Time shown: 7.34
